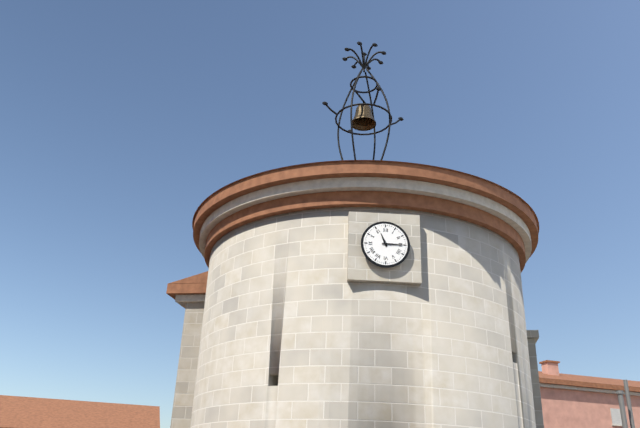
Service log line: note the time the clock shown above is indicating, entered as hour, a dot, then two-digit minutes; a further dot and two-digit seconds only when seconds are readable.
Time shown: 11.15
